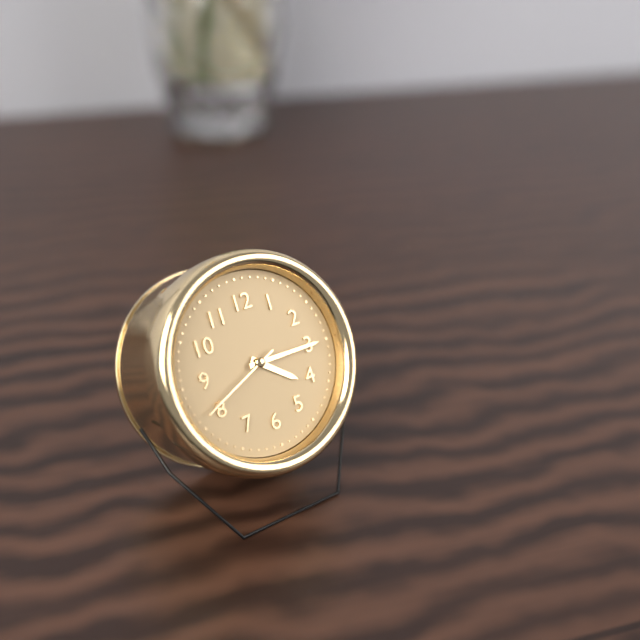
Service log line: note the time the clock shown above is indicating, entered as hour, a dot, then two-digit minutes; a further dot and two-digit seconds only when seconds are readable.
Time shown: 4.15.41
